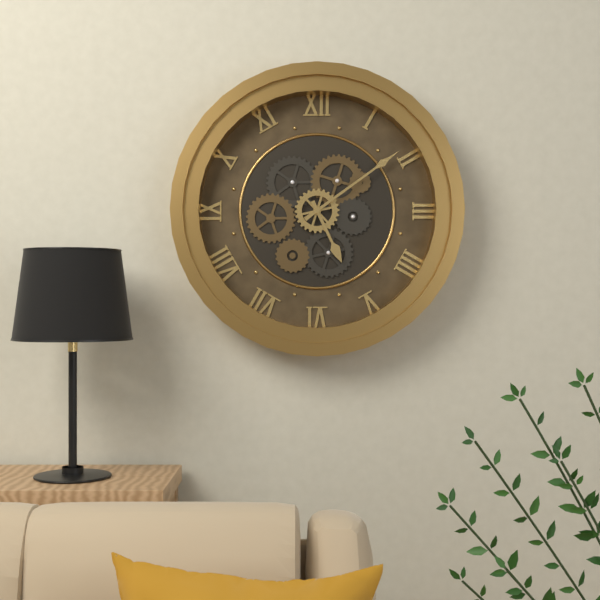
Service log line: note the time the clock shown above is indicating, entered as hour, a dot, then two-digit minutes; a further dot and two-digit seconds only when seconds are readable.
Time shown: 5.09
